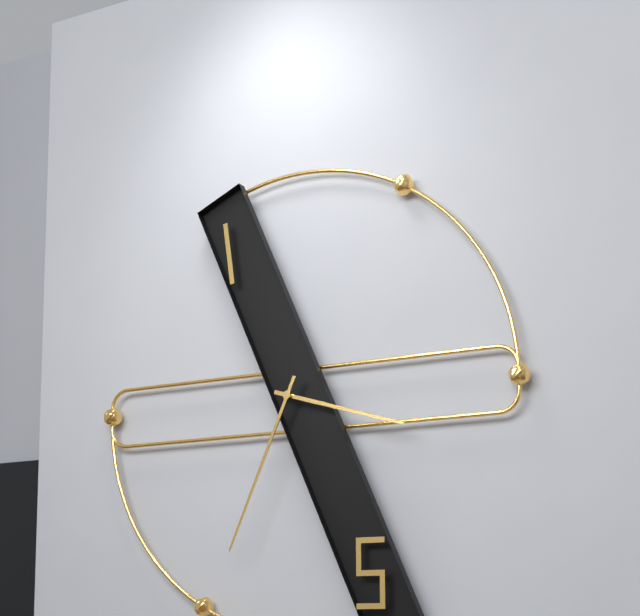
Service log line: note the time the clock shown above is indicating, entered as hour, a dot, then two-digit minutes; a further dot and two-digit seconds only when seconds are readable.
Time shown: 3.34
